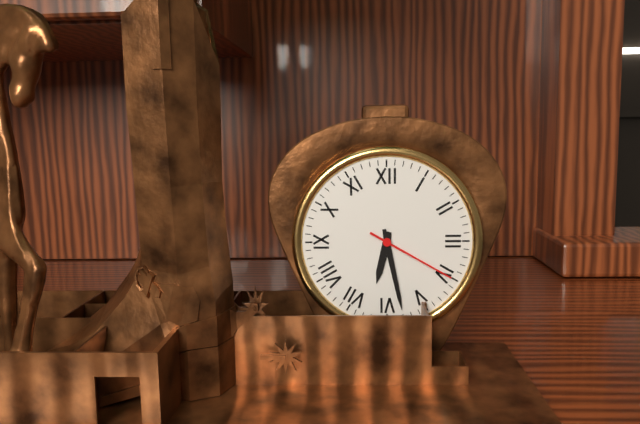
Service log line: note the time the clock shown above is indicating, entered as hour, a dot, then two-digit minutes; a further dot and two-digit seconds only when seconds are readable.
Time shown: 6.28.20
